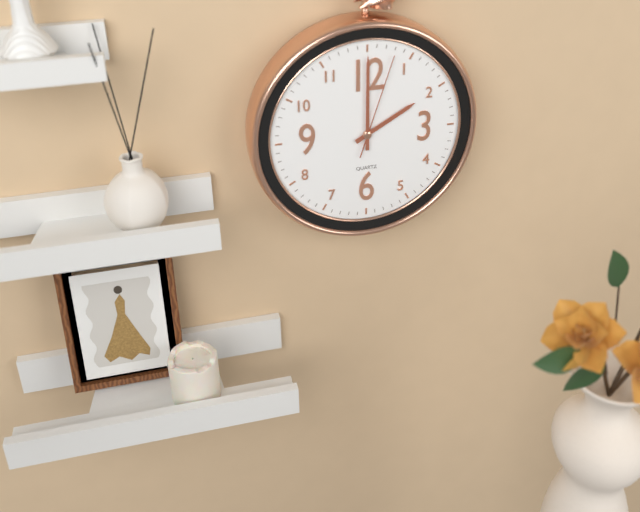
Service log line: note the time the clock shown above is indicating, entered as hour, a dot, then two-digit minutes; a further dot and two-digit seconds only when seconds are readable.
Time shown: 2.00.03
